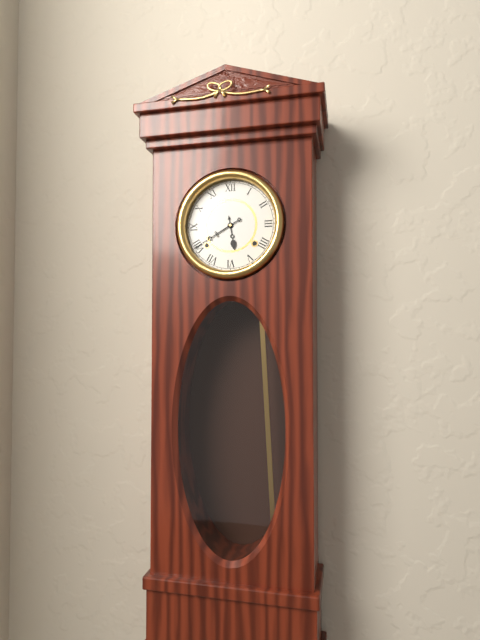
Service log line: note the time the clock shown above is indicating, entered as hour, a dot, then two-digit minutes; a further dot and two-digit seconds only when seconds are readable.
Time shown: 5.40
